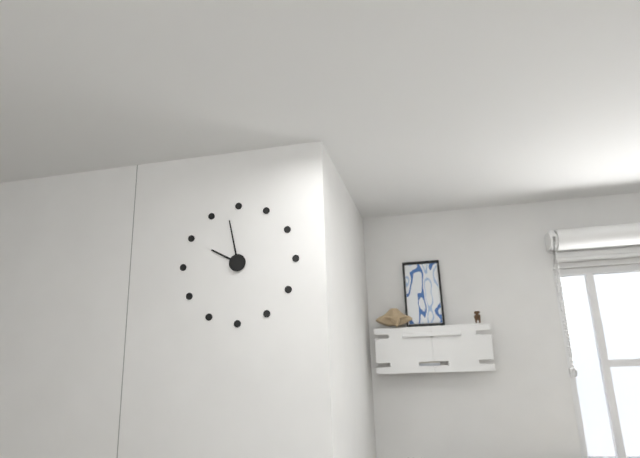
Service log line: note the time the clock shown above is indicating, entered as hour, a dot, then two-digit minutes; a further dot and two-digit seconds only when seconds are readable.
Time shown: 9.58
